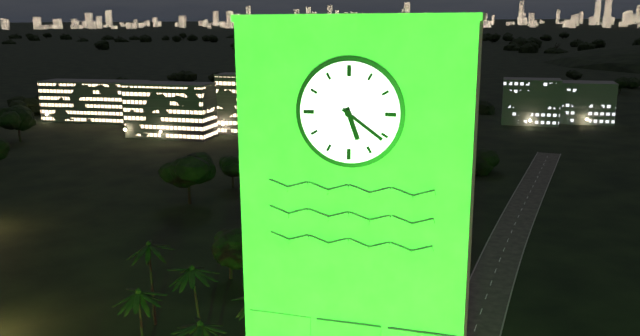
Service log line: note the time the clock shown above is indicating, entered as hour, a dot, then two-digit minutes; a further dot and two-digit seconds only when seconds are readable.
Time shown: 5.21
